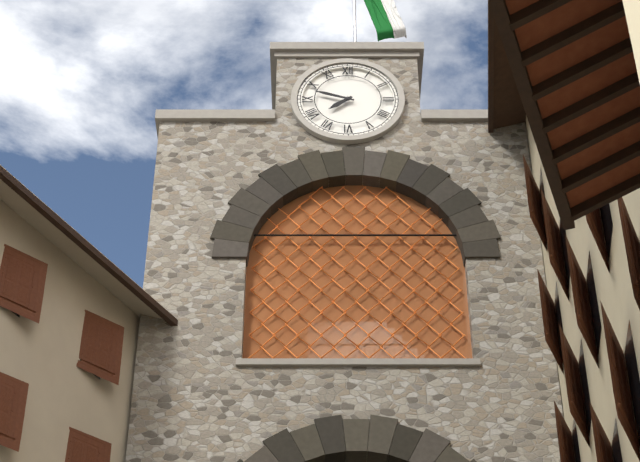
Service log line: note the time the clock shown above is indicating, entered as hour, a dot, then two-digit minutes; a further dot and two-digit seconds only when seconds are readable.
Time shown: 7.48
